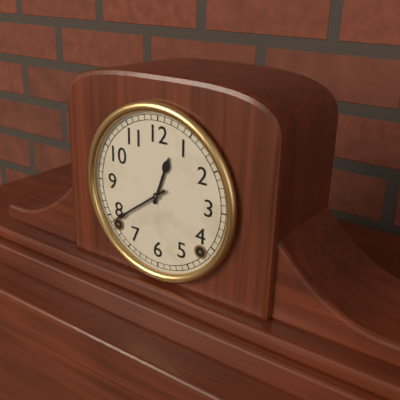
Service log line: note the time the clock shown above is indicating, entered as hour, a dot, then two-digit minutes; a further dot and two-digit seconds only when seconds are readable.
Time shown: 12.39
